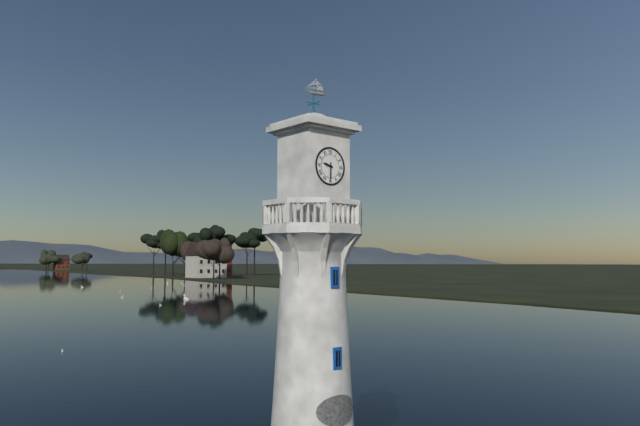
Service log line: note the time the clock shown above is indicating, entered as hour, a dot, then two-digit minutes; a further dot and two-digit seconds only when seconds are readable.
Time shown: 9.30
